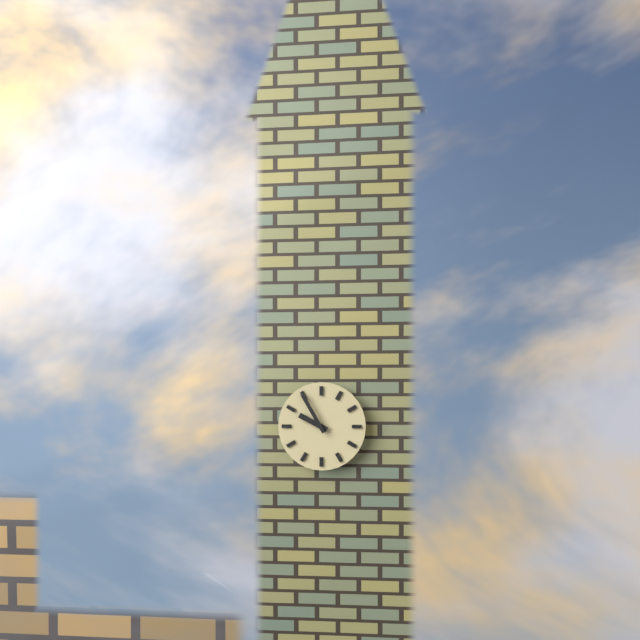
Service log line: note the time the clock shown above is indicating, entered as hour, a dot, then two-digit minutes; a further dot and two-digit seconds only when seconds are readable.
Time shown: 9.55
